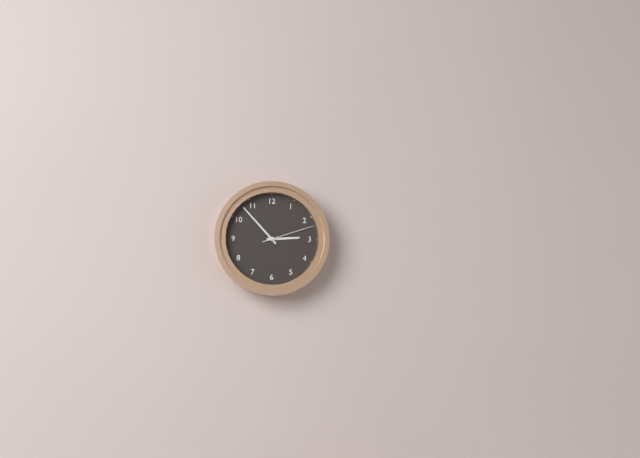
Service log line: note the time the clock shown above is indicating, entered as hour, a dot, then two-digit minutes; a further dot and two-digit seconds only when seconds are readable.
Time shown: 2.53.12
